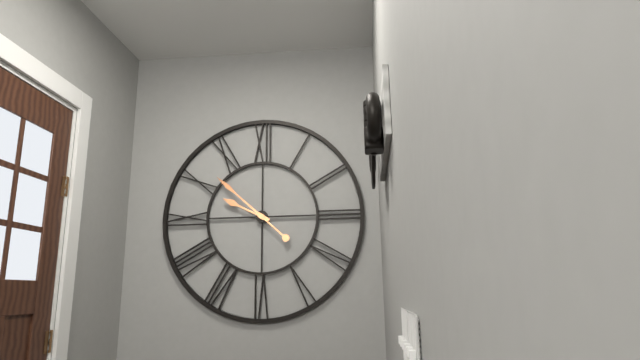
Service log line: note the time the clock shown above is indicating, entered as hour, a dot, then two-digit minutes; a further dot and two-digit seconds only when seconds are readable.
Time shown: 9.52
